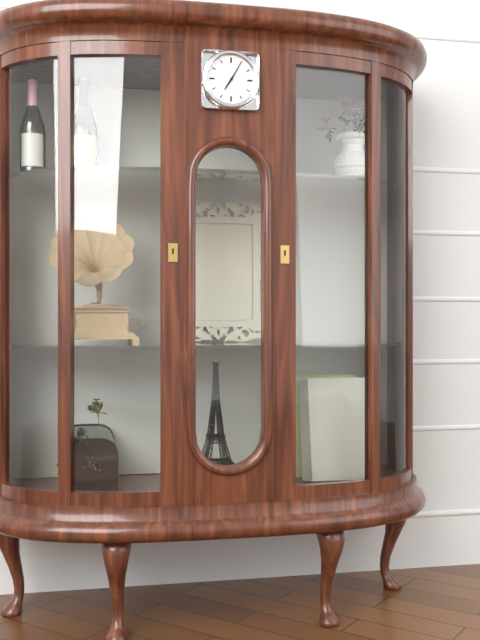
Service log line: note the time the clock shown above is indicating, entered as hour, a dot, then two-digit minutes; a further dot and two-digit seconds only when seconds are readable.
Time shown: 7.05
